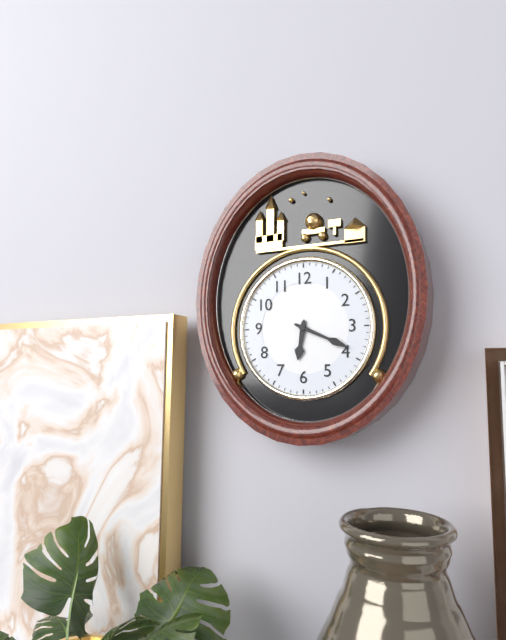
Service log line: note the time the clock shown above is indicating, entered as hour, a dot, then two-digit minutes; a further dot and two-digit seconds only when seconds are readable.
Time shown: 6.19
